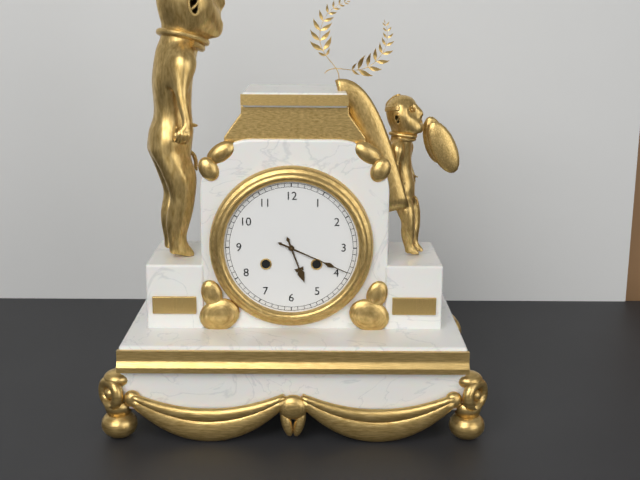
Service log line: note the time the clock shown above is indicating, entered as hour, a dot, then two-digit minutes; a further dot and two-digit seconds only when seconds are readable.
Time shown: 5.19
